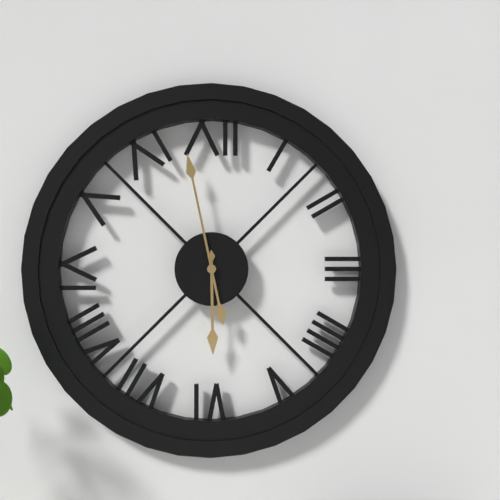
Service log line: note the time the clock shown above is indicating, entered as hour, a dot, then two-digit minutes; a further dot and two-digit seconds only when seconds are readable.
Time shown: 5.58
